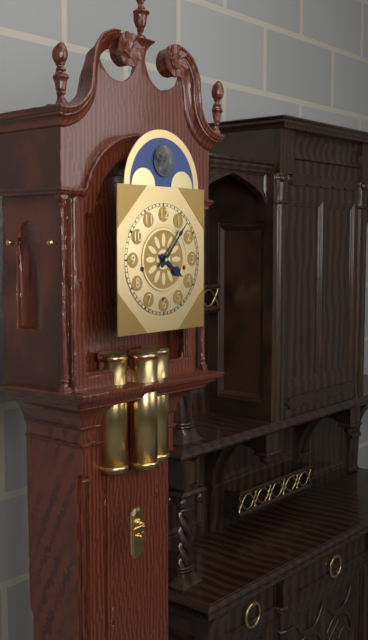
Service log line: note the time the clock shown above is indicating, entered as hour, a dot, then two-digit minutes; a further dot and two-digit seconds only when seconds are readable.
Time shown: 4.07
